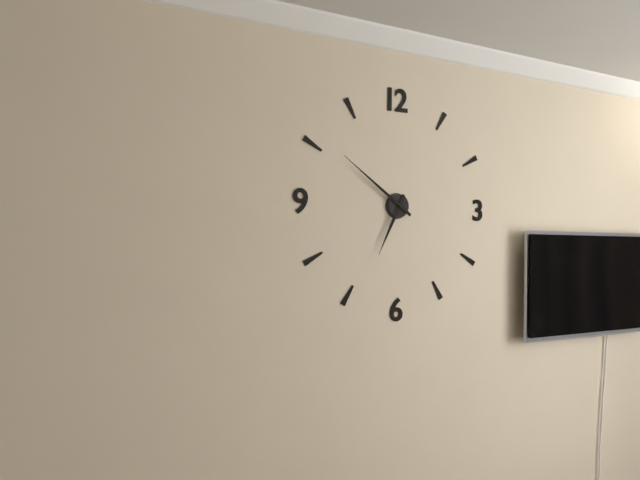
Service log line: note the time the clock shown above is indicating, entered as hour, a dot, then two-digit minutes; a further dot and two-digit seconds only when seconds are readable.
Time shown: 6.51
